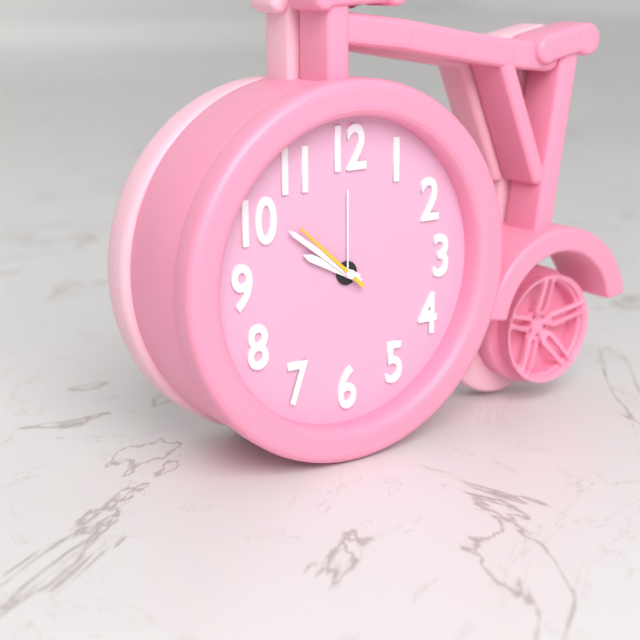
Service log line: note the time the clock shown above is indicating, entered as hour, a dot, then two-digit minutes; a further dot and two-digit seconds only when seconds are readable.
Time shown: 9.51.52
